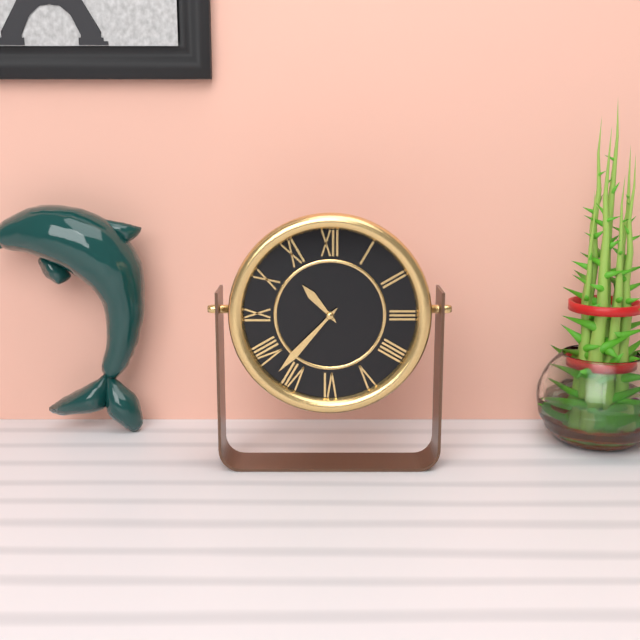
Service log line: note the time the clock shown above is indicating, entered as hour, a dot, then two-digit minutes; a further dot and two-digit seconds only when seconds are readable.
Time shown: 10.37
